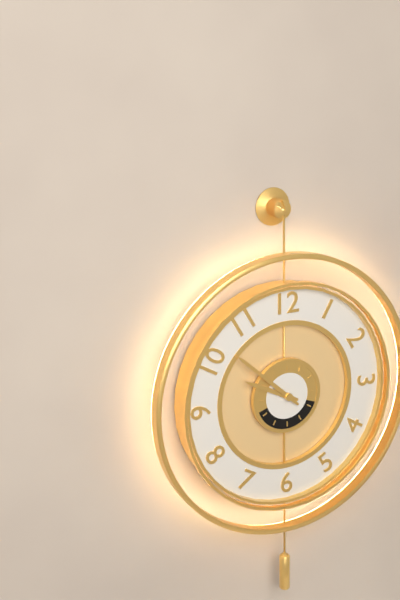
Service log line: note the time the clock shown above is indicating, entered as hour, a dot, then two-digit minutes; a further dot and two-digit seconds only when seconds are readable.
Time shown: 9.52
